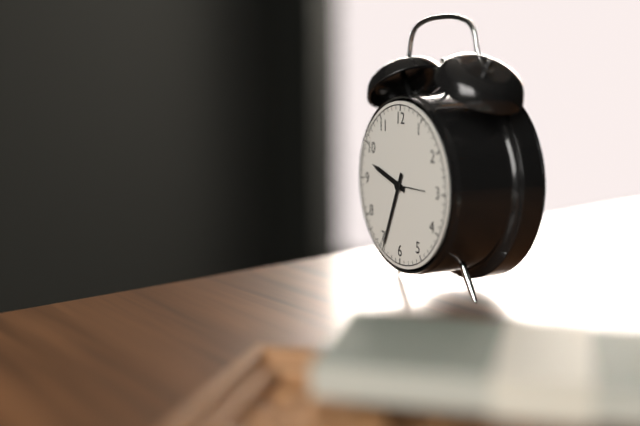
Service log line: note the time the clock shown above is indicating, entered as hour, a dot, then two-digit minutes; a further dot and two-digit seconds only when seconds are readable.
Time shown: 9.34
